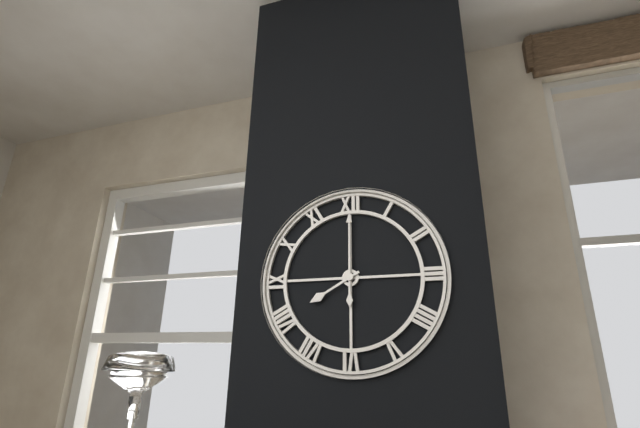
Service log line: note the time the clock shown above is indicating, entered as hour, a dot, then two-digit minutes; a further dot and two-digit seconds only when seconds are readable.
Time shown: 8.00
